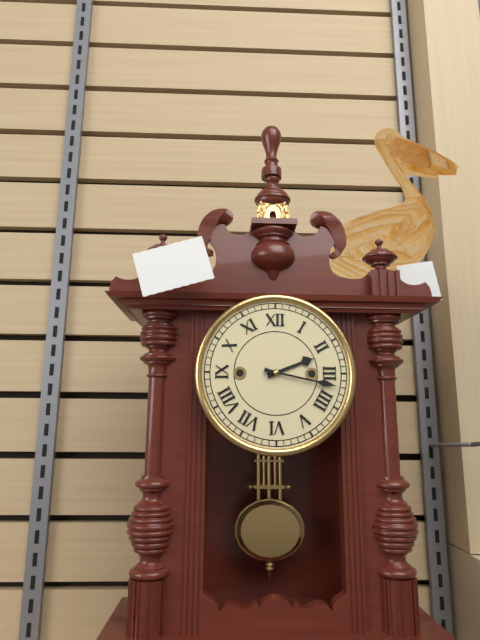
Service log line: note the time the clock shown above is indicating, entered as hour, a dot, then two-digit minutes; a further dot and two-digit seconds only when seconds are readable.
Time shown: 2.17
